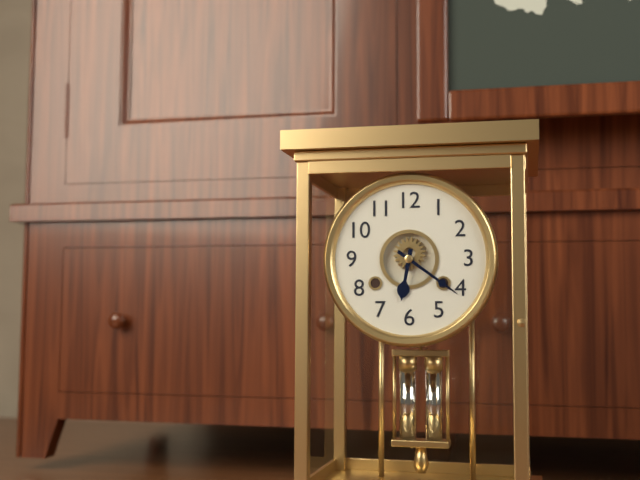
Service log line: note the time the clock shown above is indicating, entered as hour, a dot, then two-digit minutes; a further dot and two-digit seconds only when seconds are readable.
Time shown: 6.21
